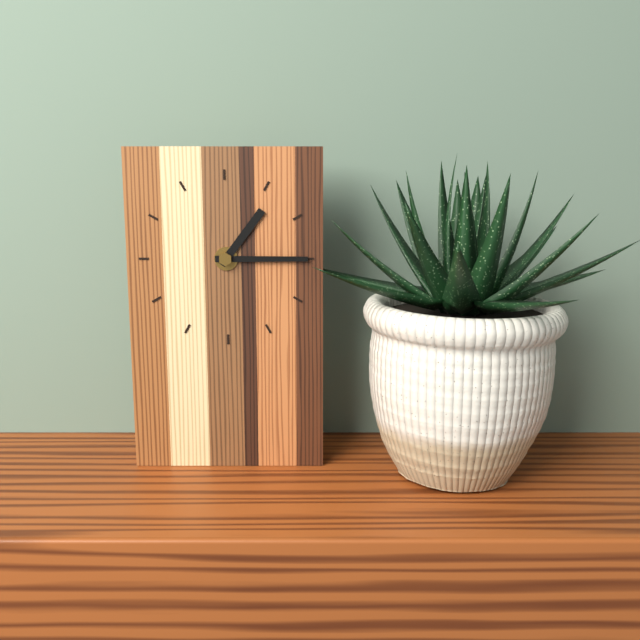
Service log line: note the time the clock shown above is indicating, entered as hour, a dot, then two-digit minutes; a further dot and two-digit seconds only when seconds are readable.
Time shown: 1.15
